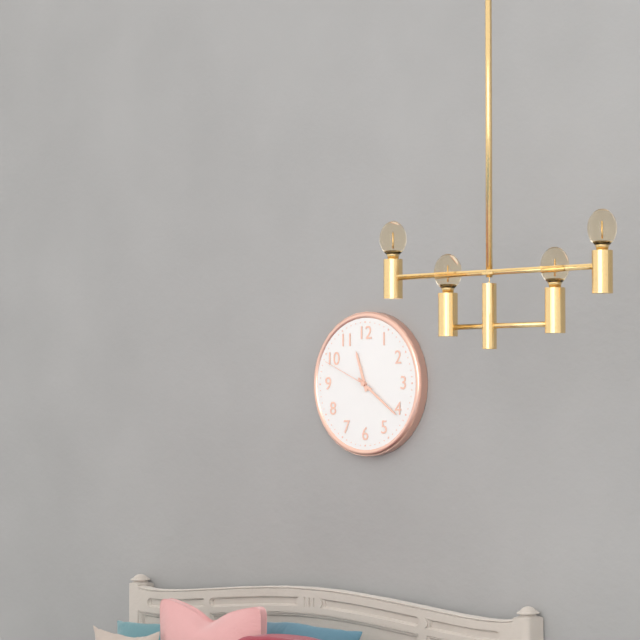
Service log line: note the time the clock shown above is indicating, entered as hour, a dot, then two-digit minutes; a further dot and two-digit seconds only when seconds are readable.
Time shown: 11.21.49
